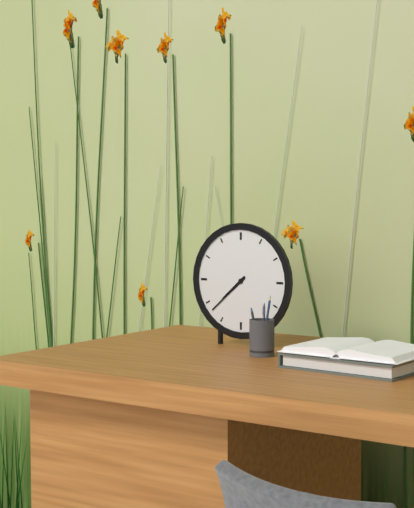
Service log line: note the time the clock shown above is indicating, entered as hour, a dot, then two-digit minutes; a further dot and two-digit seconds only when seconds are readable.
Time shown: 7.38
